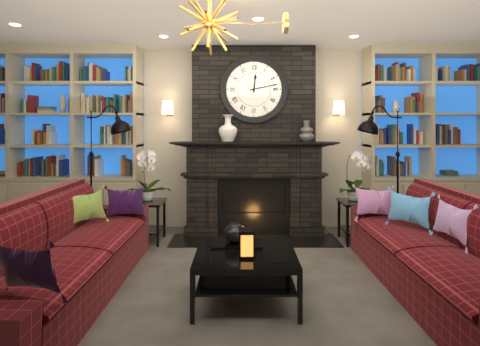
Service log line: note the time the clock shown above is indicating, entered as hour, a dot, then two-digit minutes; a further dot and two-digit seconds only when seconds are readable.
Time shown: 12.13
